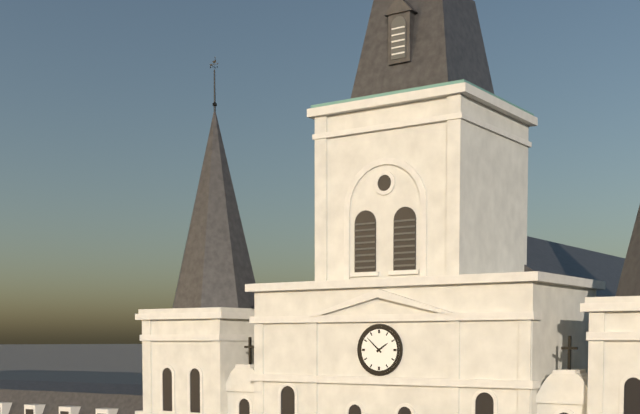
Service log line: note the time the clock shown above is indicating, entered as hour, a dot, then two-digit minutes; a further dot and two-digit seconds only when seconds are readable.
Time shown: 1.52
